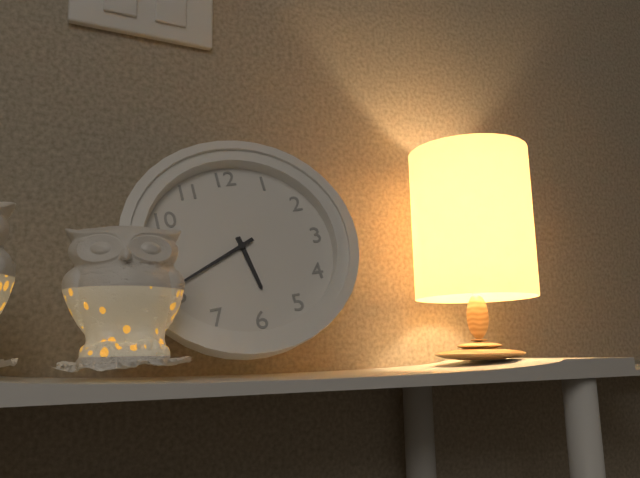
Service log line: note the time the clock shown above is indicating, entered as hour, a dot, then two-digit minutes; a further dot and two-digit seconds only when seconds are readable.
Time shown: 5.41
